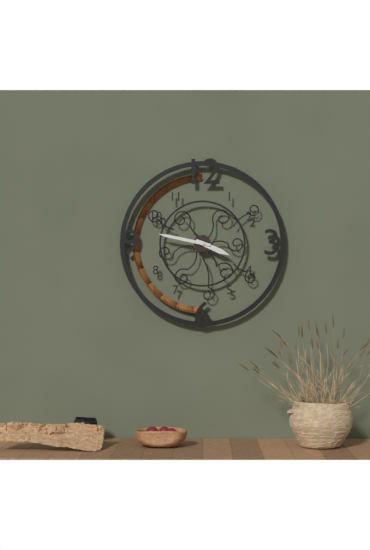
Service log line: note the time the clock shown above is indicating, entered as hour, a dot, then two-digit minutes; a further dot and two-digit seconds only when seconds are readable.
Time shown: 3.47
